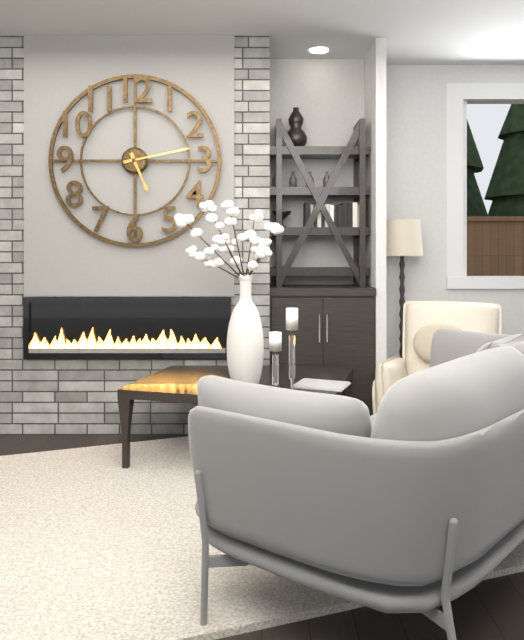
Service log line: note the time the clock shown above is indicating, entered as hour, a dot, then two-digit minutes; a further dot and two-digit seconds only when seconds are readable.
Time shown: 5.13
